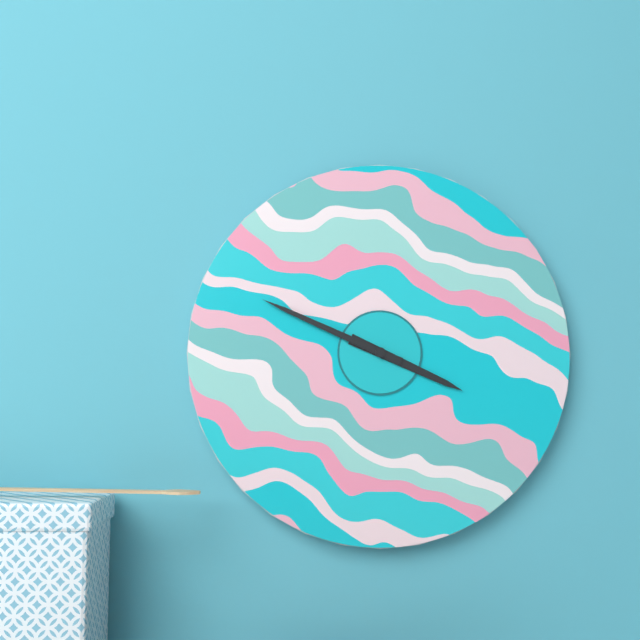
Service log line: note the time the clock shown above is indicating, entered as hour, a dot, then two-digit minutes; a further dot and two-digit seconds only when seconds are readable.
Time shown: 3.49
